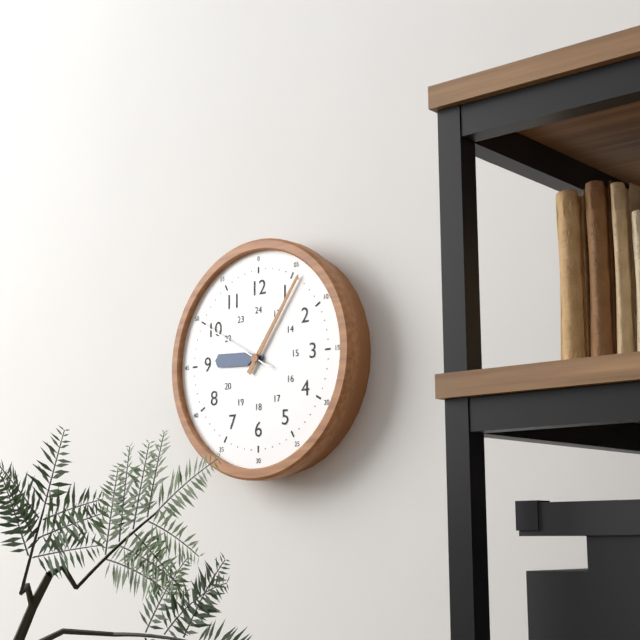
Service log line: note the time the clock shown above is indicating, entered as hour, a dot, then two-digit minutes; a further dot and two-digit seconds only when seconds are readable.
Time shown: 9.06.50
